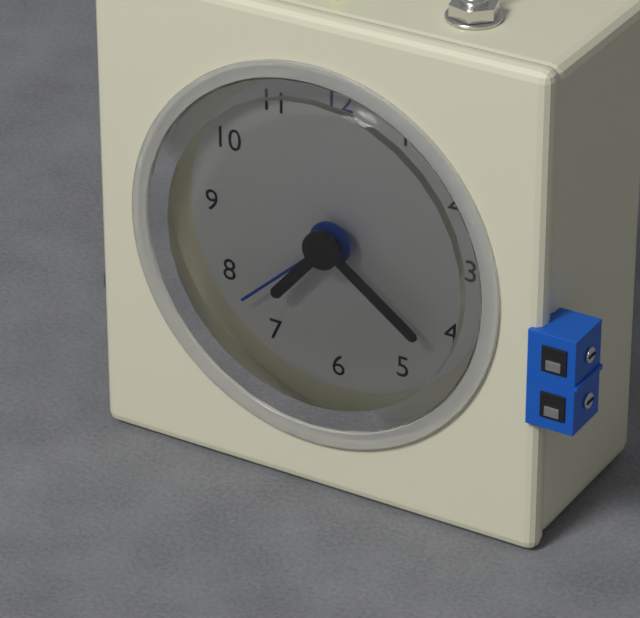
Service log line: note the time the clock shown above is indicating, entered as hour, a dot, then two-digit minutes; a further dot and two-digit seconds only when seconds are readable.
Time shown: 7.21.38
